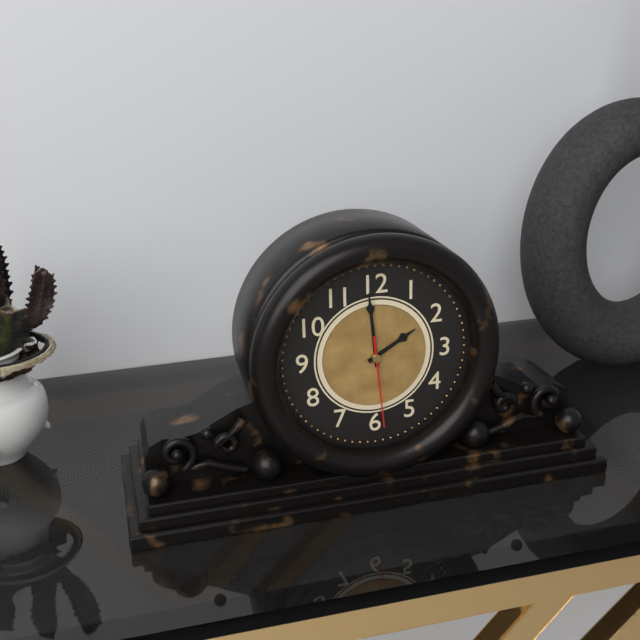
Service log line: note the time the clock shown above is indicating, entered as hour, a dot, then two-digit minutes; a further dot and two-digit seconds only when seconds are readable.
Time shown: 1.59.29
